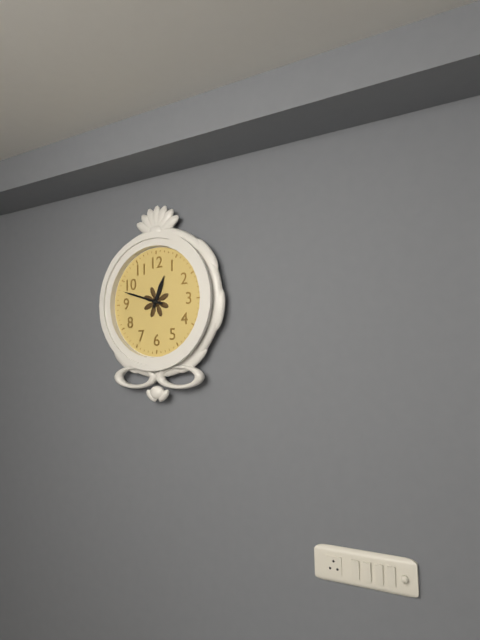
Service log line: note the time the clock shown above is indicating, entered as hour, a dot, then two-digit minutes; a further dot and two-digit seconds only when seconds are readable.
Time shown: 12.48
